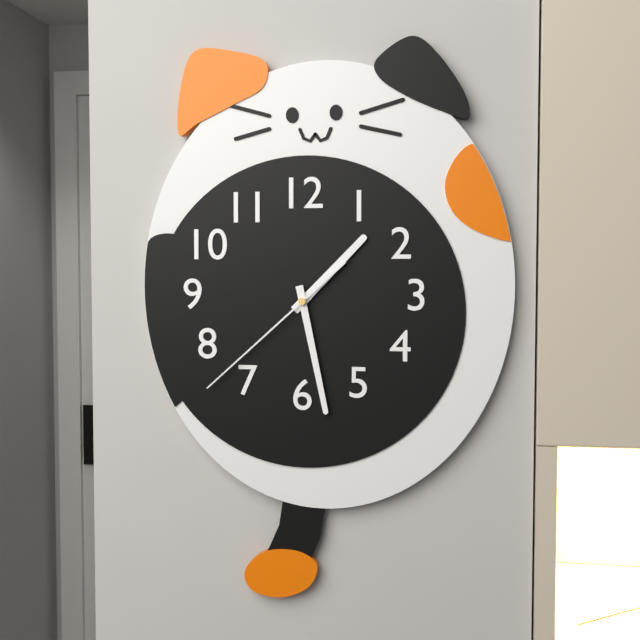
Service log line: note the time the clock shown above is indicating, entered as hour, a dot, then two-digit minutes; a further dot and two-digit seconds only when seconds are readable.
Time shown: 1.28.38
